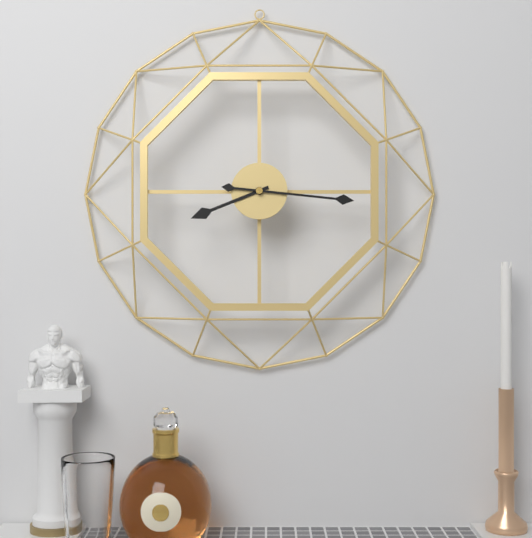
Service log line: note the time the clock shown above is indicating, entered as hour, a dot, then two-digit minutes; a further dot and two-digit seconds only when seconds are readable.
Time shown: 8.16
